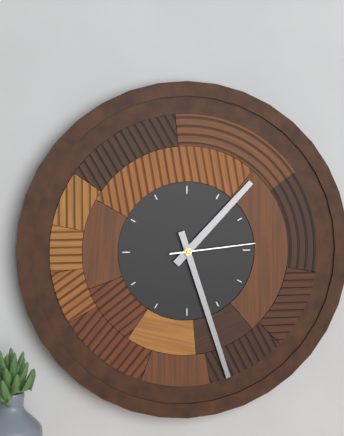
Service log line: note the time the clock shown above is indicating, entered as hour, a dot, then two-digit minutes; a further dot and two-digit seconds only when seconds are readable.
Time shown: 1.27.14
